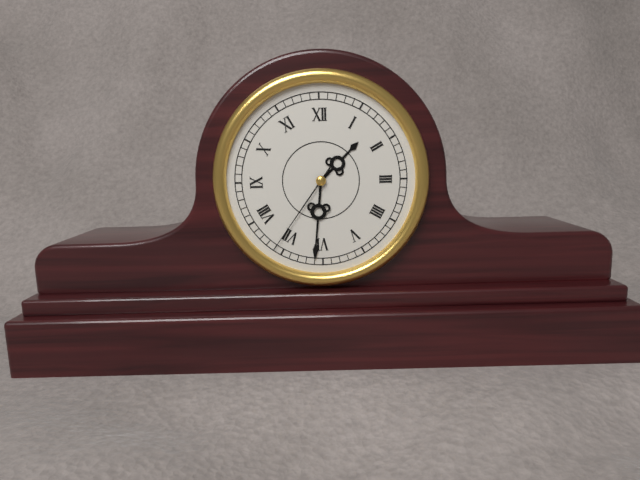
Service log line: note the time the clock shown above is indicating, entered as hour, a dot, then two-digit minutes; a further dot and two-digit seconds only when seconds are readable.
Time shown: 1.31.36
